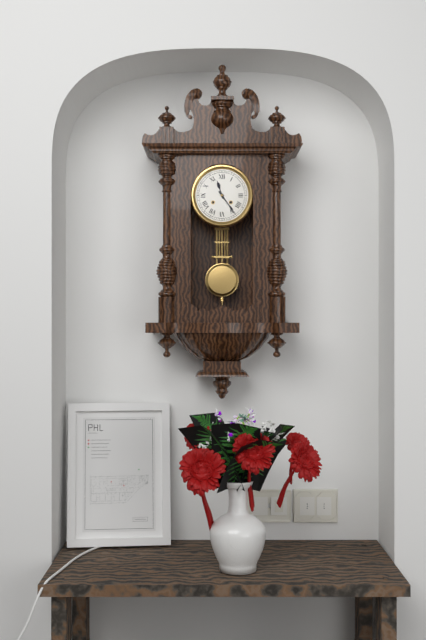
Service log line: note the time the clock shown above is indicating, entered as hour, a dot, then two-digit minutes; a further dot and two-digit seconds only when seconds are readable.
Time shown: 11.24
